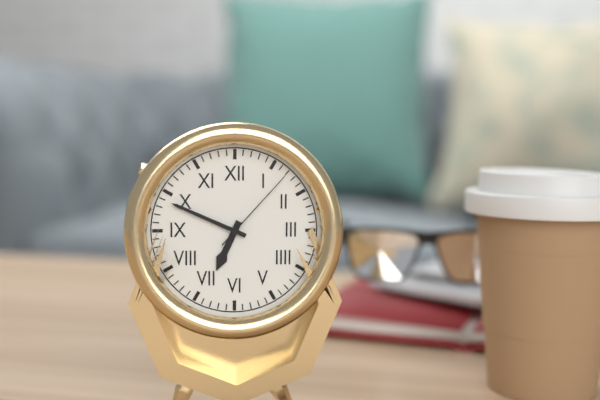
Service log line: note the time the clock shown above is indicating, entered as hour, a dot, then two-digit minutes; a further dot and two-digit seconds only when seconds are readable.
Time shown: 6.49.07
